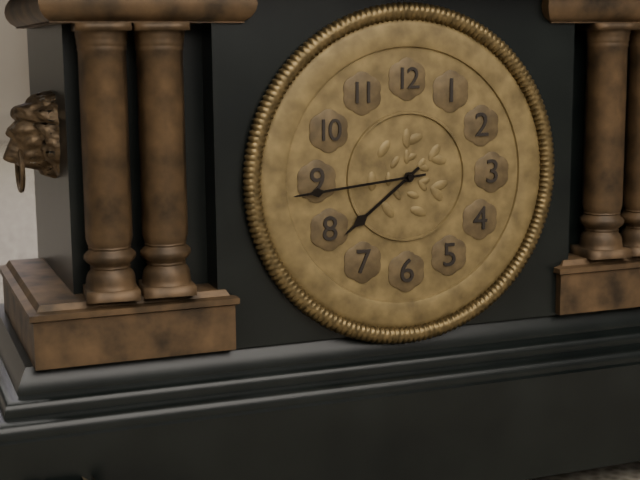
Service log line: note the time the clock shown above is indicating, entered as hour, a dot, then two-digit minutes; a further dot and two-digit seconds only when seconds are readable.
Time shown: 7.44
